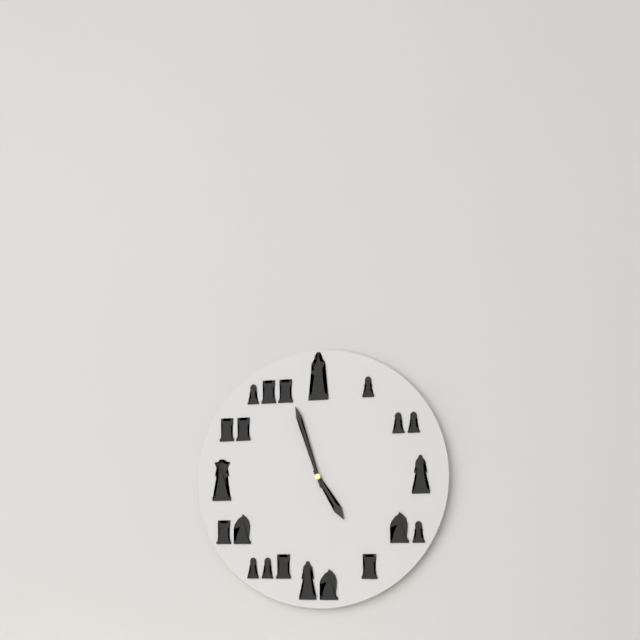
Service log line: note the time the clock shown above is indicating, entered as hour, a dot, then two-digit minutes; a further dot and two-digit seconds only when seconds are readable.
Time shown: 4.57
